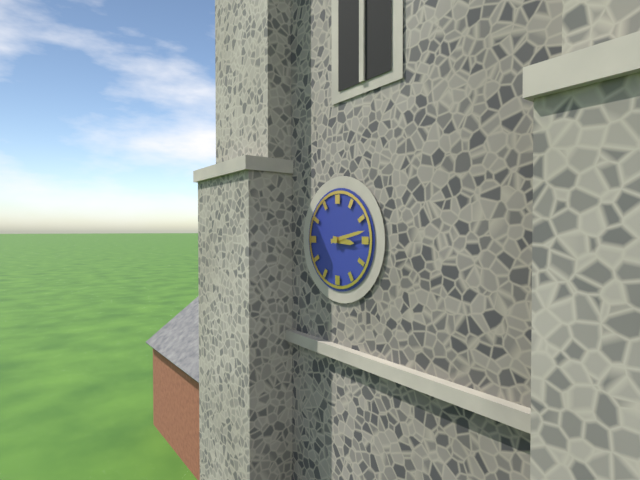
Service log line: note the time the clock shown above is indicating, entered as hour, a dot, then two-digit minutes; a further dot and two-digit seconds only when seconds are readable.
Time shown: 3.13
